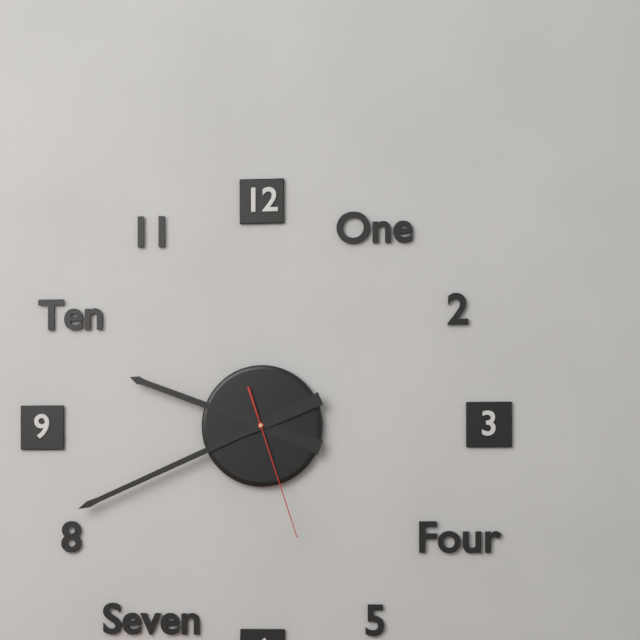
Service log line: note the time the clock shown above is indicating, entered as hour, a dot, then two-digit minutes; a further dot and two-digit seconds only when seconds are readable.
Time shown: 9.41.27
